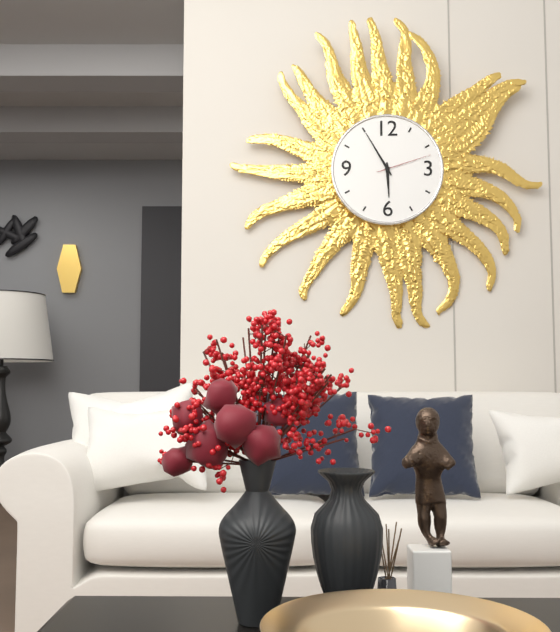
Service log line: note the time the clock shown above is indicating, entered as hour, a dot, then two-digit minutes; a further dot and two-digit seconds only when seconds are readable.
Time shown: 5.55.12
